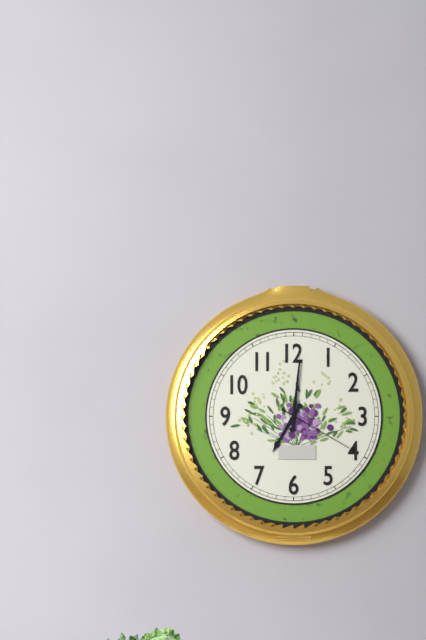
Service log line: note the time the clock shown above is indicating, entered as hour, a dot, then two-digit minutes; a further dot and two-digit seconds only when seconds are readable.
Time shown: 7.01.20
